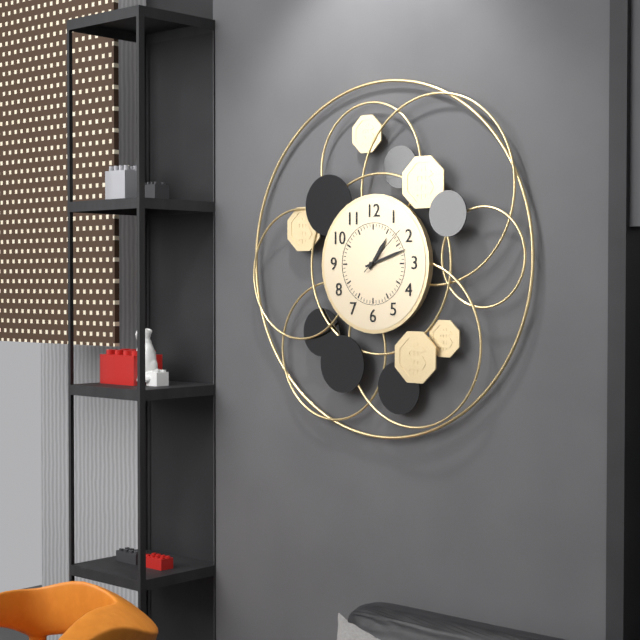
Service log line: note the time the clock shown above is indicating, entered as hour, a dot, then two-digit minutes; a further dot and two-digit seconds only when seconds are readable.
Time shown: 1.12.08
